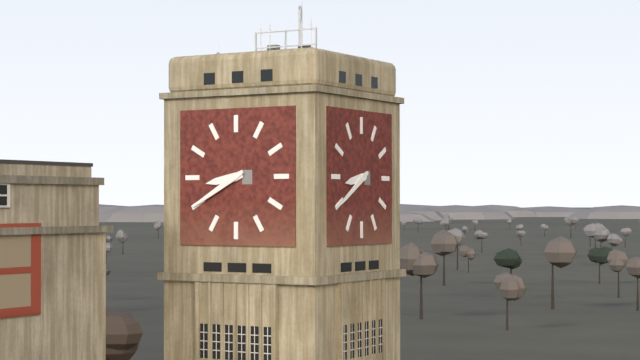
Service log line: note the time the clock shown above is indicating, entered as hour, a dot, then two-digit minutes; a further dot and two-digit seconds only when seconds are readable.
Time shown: 8.40
